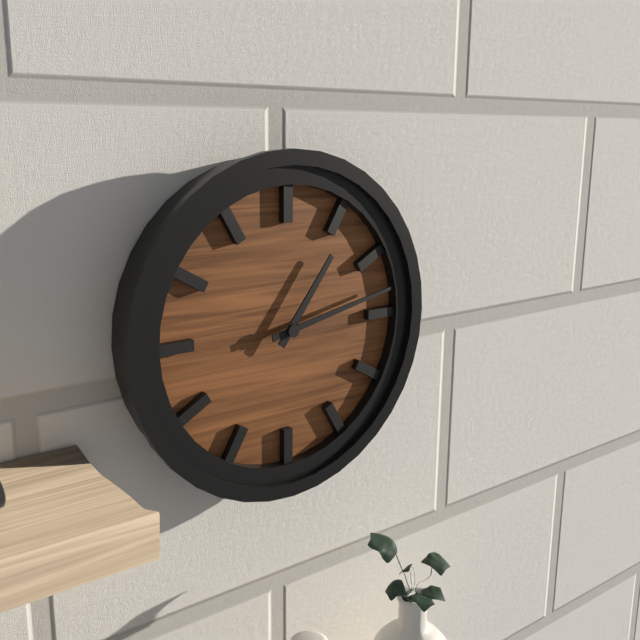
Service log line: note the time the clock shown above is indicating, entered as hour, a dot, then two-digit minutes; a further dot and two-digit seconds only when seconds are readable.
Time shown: 1.13
